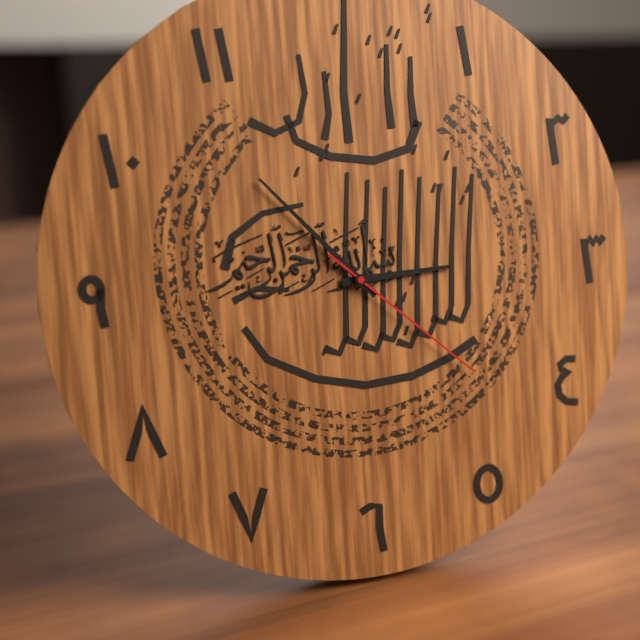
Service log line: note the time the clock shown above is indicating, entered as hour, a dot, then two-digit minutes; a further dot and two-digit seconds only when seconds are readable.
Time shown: 2.53.22
